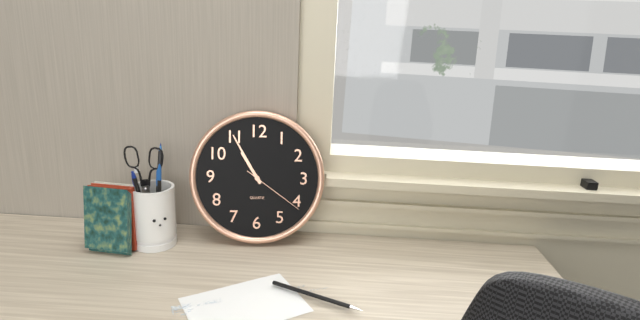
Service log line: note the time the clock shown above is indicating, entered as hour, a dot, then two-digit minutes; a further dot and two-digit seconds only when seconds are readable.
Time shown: 10.55.21
